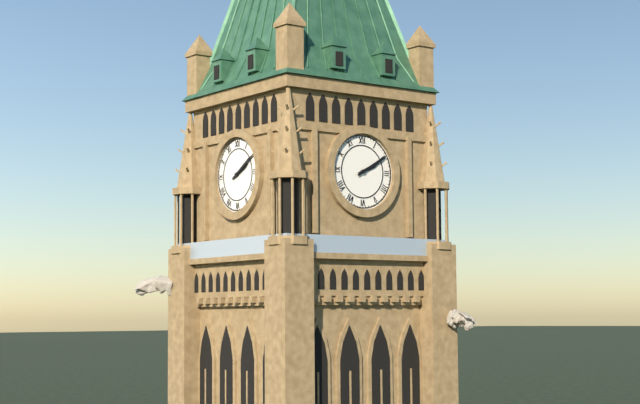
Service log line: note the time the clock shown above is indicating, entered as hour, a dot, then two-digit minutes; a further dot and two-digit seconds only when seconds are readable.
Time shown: 2.10
